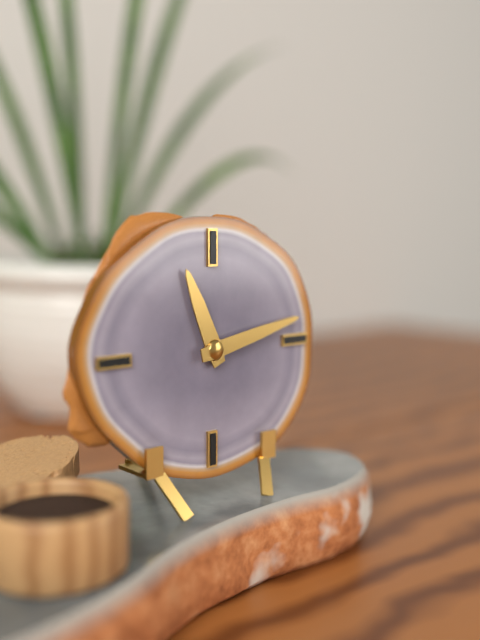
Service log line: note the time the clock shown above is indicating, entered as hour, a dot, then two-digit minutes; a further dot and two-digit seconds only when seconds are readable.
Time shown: 11.13
